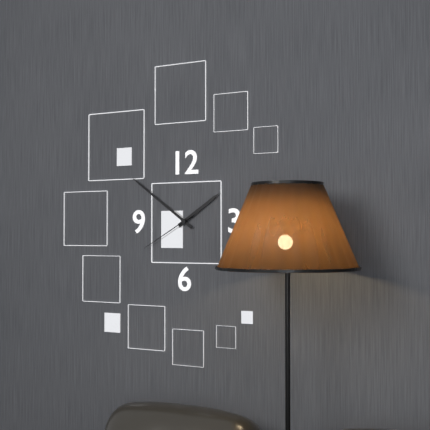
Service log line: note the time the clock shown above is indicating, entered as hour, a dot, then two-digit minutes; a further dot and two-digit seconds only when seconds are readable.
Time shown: 1.51.40
